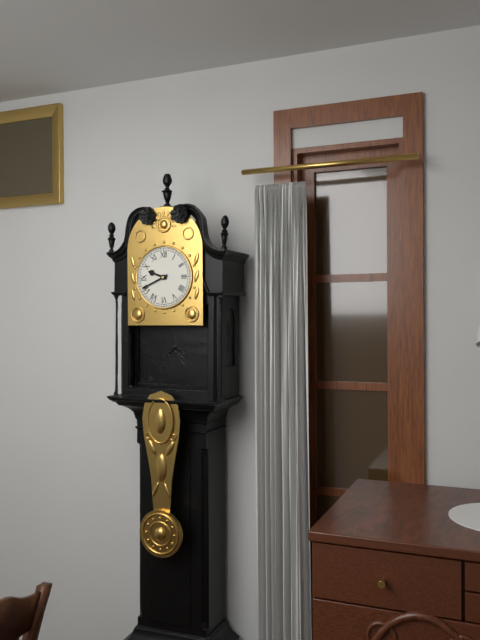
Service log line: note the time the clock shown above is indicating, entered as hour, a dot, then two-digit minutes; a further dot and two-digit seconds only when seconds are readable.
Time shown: 9.41
